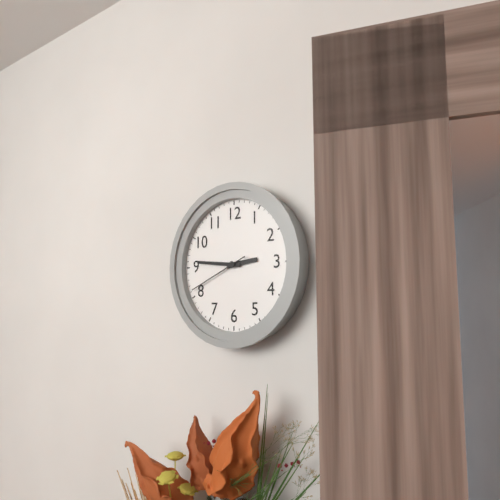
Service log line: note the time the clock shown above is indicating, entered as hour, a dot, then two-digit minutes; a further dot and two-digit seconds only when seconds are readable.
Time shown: 2.46.41
